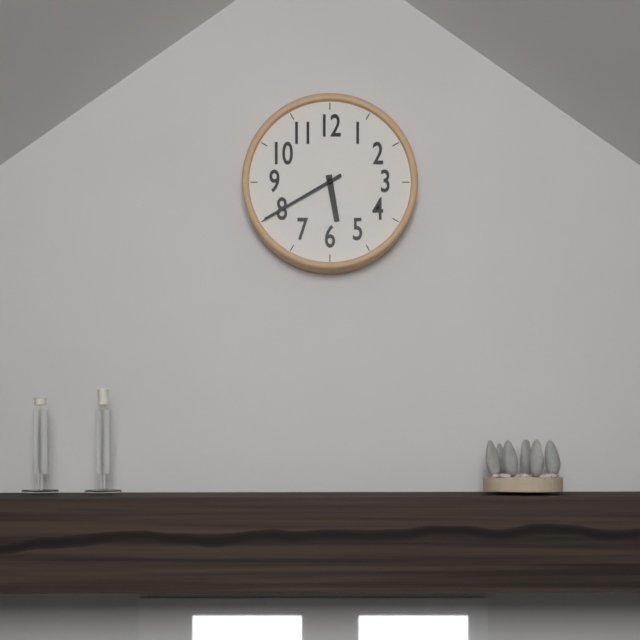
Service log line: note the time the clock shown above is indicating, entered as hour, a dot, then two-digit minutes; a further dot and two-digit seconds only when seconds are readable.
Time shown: 5.40
